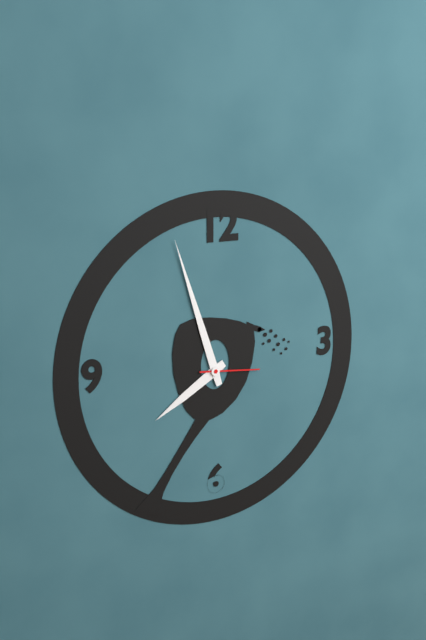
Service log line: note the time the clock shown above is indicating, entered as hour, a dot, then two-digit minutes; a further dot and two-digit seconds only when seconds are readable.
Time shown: 7.57.16
